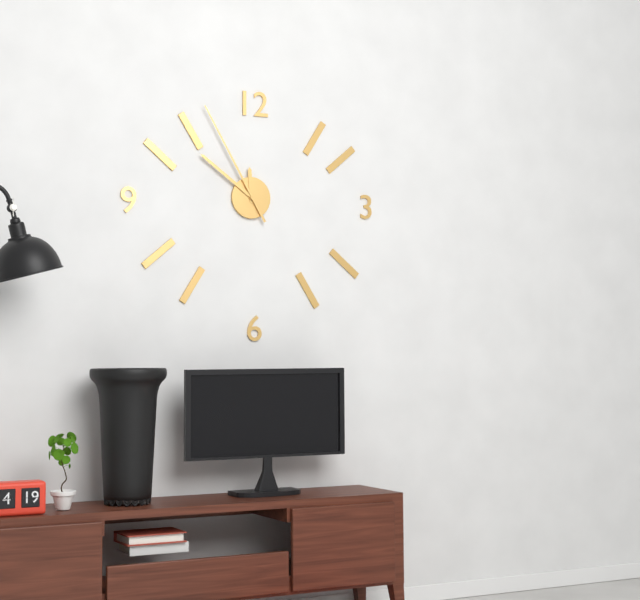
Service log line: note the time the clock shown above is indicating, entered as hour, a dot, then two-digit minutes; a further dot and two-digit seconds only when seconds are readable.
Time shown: 11.51.55
